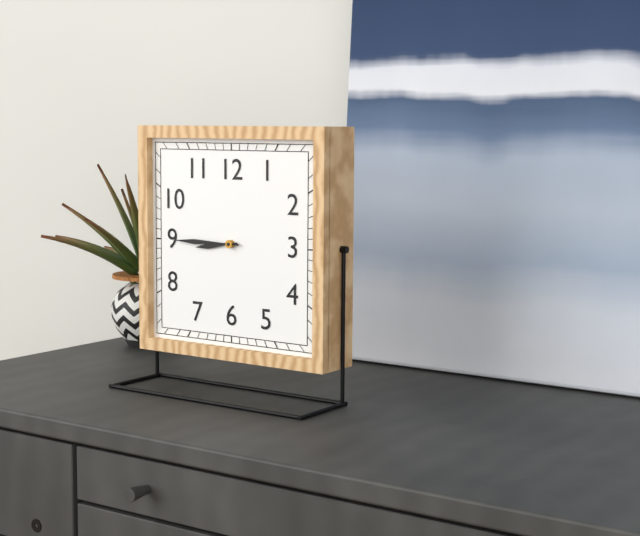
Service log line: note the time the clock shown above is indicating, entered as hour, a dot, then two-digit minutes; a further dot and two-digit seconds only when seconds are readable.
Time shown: 8.45
